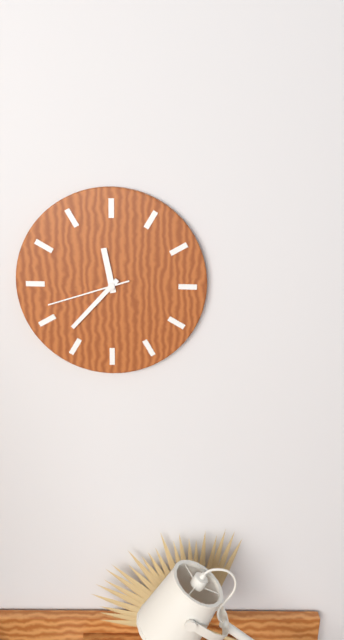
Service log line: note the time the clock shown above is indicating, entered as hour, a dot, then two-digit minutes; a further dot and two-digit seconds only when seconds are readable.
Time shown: 11.37.42
